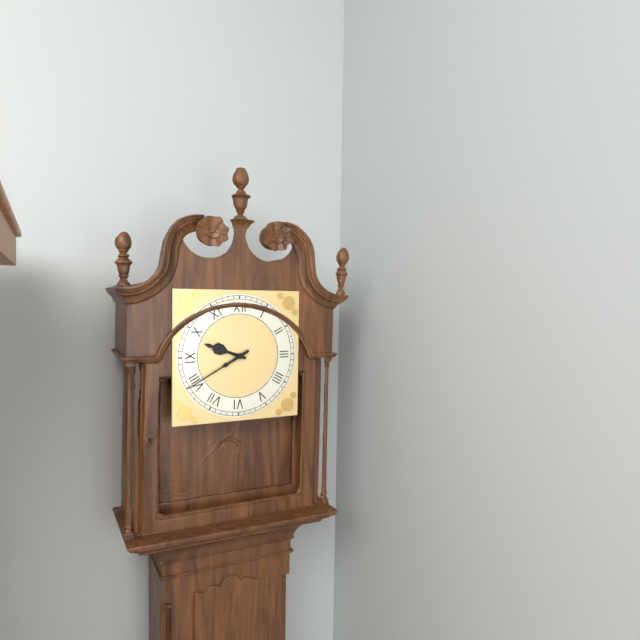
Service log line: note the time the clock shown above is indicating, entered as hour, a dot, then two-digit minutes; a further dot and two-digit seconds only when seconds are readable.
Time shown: 9.40
